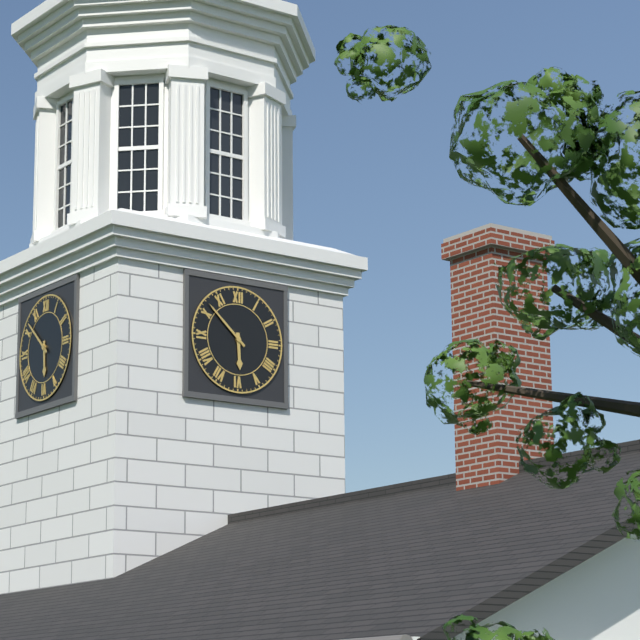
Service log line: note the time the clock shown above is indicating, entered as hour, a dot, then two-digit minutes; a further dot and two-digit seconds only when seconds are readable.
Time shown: 5.52
